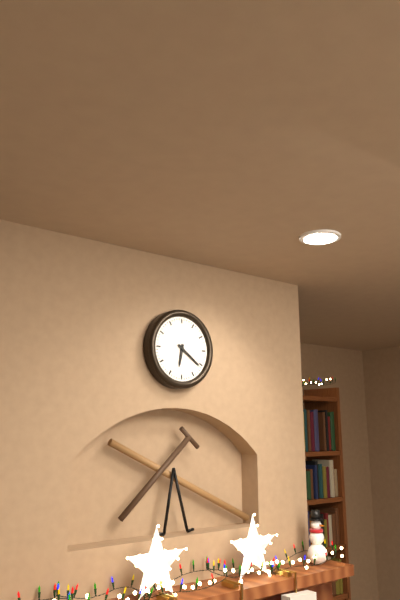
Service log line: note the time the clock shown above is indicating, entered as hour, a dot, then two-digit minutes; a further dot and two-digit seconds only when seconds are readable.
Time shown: 6.21
